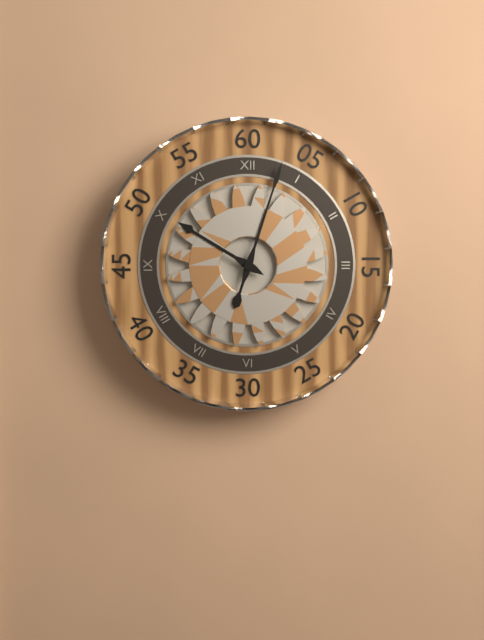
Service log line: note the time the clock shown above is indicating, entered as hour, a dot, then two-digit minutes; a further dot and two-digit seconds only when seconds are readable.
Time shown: 10.03
